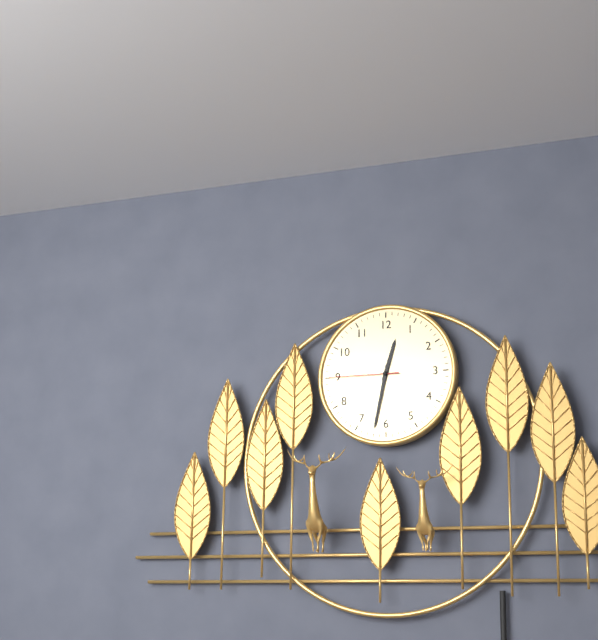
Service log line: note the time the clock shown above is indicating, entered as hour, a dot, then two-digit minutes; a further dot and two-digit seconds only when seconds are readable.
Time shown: 12.32.45
